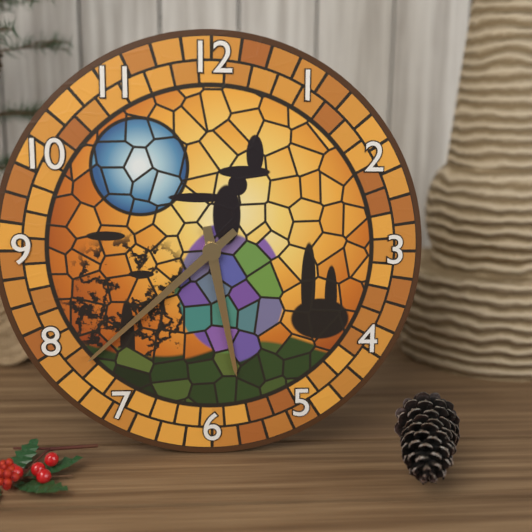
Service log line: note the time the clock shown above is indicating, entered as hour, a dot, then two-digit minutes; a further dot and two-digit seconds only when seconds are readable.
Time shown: 5.38
